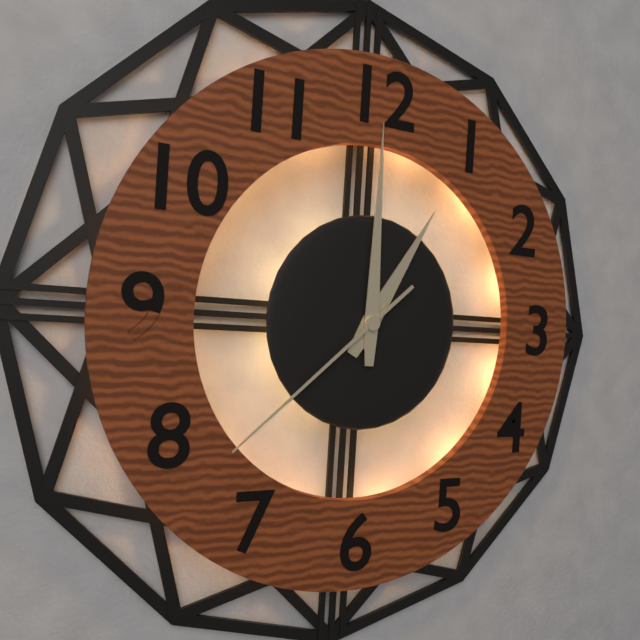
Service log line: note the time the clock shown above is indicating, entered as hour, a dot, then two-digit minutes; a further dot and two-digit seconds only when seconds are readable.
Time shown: 1.00.38
